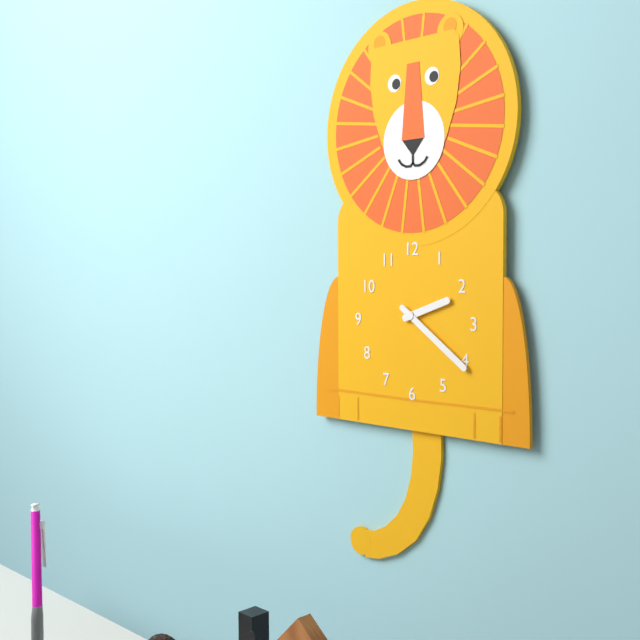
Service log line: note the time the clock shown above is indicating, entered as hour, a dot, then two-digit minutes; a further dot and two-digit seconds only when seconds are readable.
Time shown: 2.21
